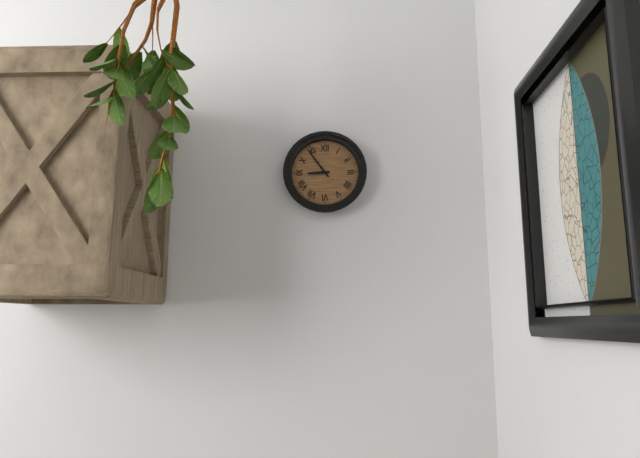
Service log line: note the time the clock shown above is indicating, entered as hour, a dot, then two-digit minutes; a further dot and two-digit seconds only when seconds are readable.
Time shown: 8.54
